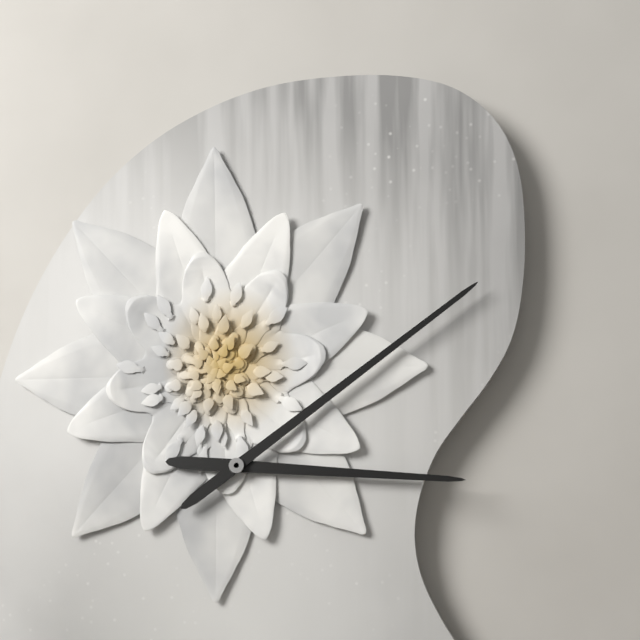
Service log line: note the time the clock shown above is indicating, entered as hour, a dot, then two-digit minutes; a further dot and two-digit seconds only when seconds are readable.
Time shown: 3.09
